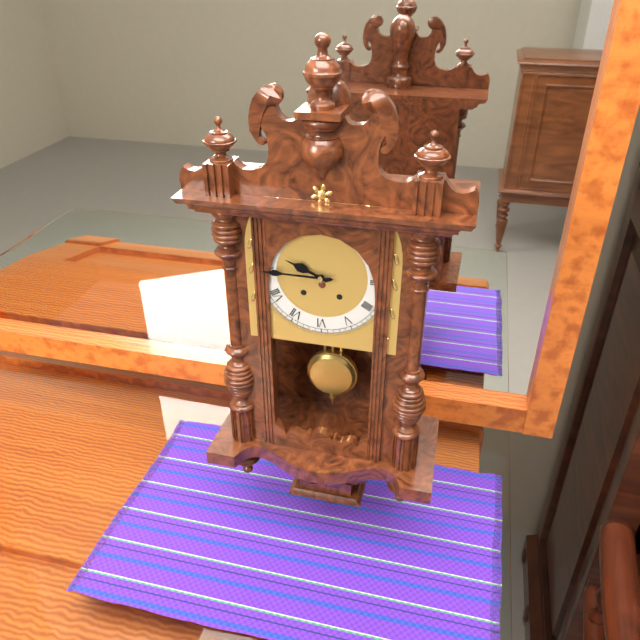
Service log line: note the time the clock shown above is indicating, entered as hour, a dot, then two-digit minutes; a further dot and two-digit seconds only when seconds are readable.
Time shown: 9.45
